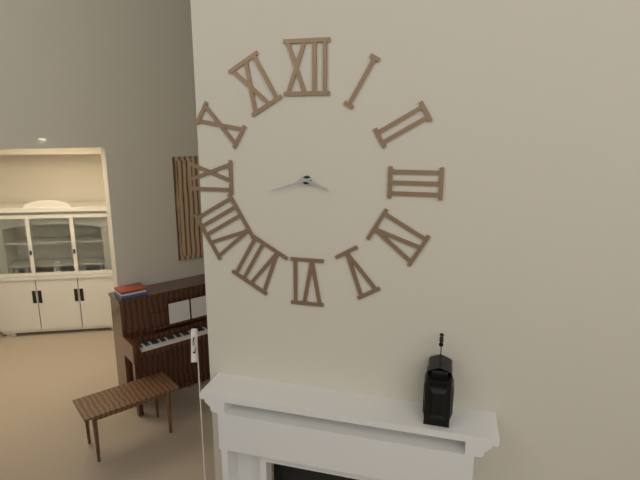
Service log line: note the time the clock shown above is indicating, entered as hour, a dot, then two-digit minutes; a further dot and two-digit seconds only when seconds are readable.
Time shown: 3.42
